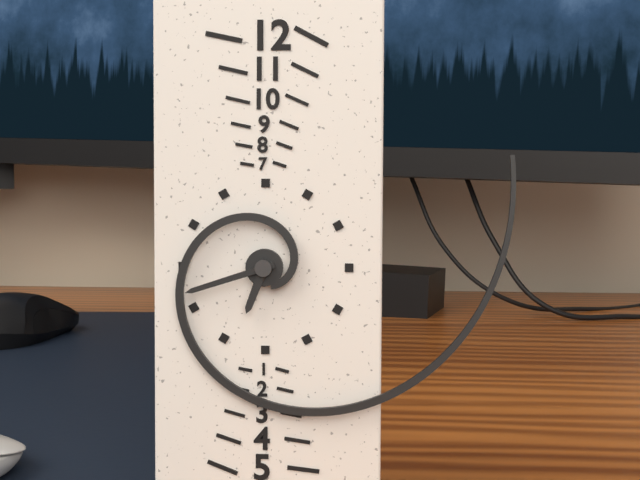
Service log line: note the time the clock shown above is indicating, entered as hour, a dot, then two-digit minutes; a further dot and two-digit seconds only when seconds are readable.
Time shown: 6.42
